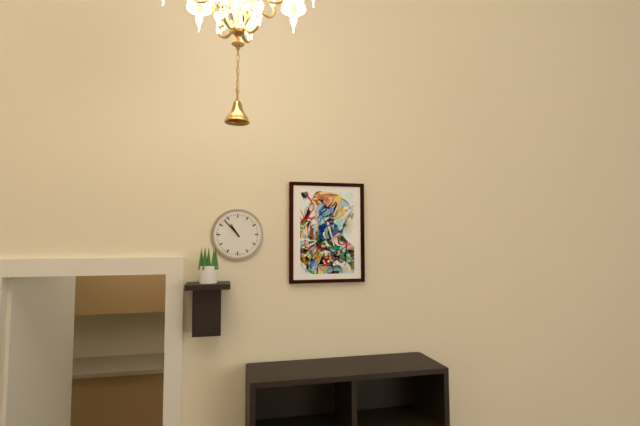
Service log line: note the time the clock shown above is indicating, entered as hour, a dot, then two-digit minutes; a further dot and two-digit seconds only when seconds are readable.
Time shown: 10.53
